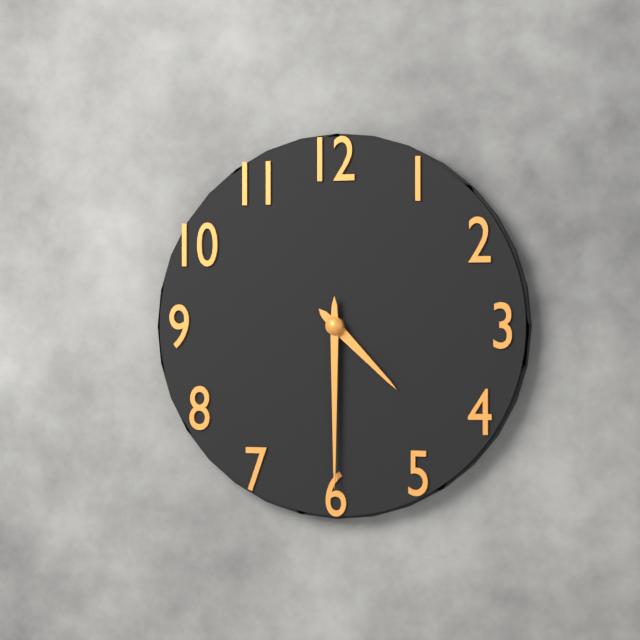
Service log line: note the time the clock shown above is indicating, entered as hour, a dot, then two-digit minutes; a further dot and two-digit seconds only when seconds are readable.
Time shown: 4.30
